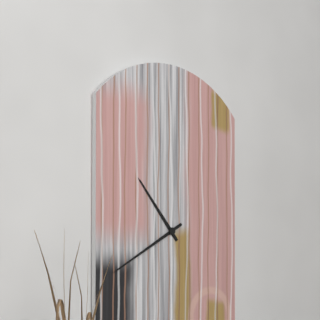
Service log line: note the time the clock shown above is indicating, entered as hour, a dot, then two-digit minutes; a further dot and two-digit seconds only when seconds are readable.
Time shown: 10.40
